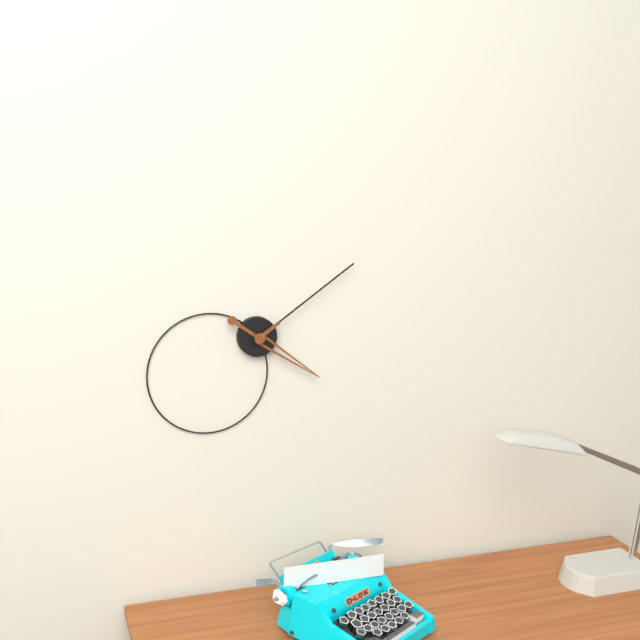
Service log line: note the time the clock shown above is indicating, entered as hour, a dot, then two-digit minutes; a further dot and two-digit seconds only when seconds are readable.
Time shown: 4.09
